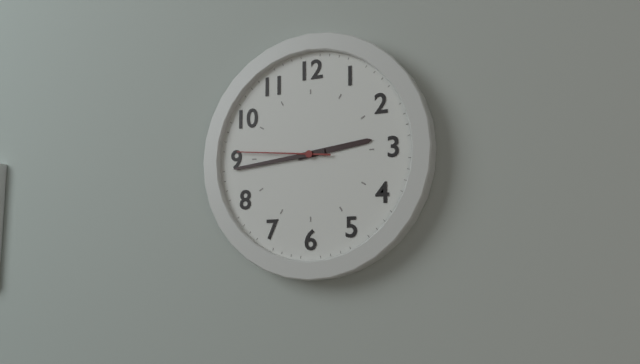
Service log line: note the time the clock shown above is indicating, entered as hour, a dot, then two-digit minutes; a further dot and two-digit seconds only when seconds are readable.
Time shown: 2.44.46
